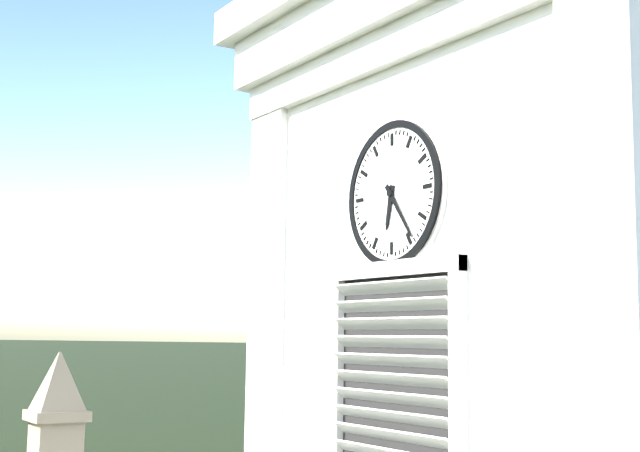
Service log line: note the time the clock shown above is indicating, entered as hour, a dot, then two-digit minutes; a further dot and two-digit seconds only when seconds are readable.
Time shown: 6.24
